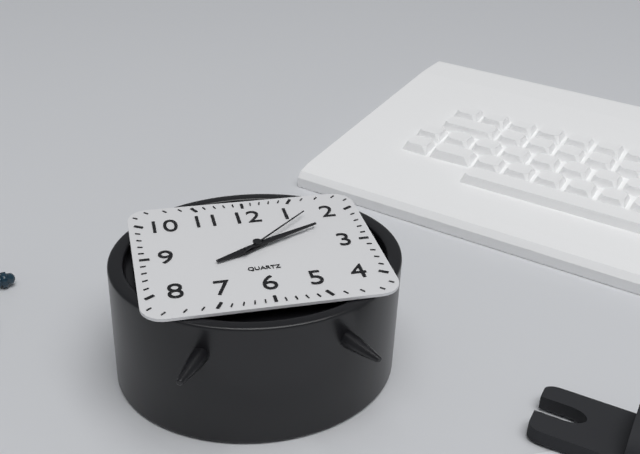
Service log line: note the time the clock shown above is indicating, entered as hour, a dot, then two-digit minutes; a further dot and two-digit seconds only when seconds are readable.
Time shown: 8.11.08
